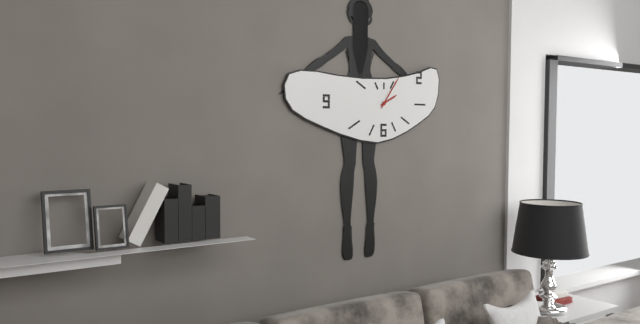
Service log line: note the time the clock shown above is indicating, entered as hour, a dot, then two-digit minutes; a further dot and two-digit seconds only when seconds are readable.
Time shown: 2.06
